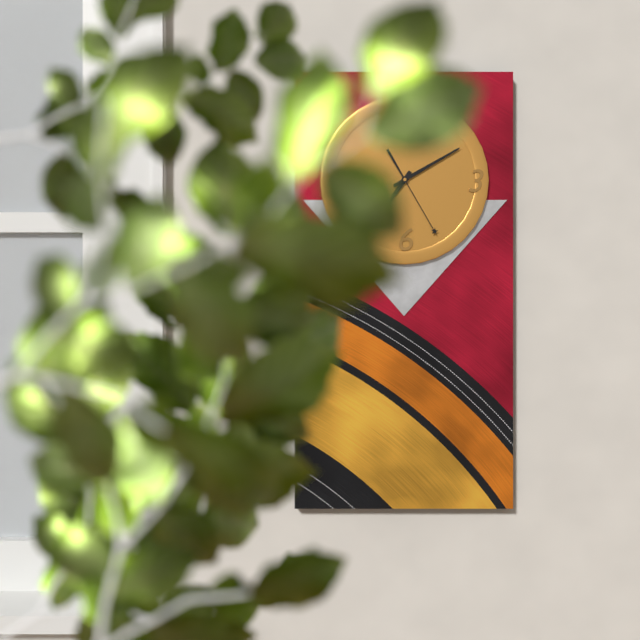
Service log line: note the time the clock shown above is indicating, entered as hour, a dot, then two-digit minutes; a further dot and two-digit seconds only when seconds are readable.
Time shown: 7.10.25
